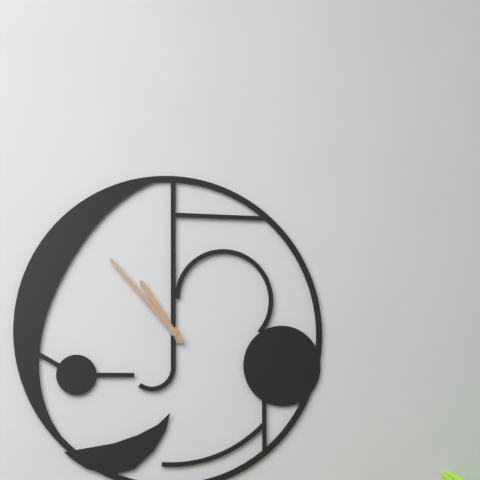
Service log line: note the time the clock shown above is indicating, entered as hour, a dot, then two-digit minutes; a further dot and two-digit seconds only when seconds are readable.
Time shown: 10.53
